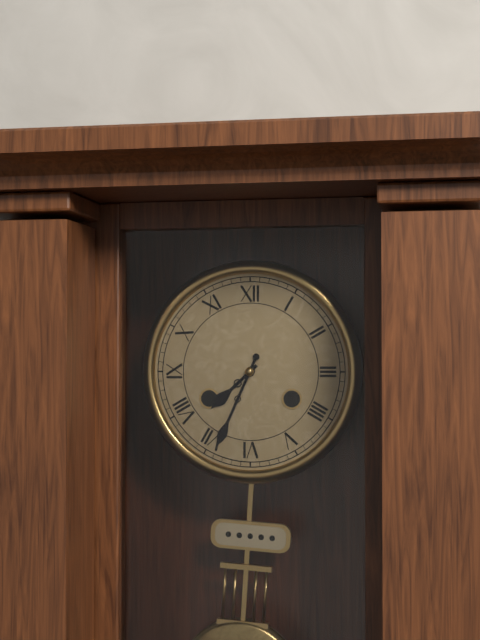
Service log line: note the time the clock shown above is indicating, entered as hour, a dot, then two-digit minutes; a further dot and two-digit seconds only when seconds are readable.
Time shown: 7.34
